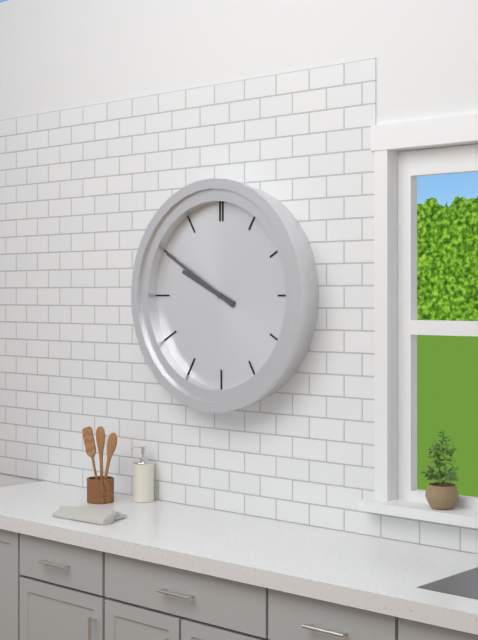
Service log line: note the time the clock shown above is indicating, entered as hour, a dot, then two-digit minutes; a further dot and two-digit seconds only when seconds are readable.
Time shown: 9.50
